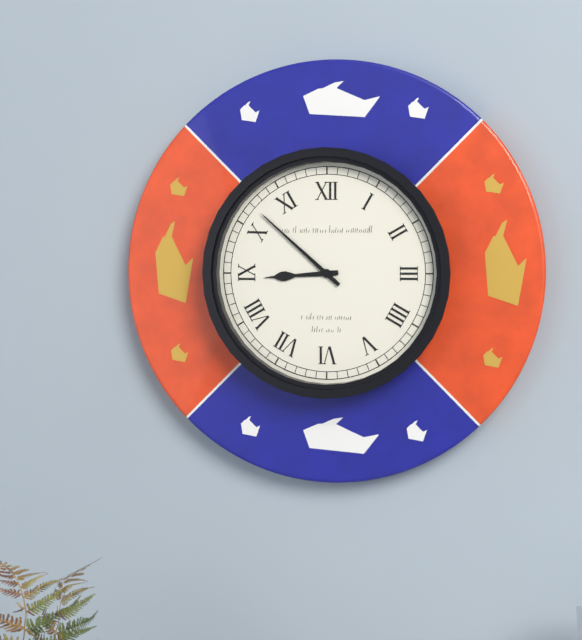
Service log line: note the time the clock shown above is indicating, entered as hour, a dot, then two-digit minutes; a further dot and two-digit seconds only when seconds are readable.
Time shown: 8.52
